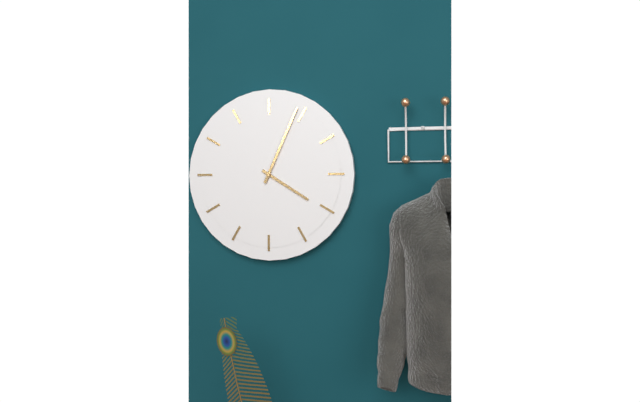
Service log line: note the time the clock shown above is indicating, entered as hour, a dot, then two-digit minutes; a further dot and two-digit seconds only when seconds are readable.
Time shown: 4.04
